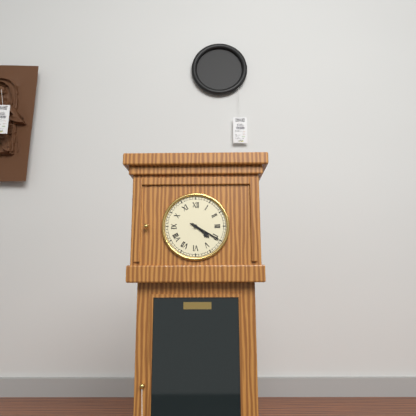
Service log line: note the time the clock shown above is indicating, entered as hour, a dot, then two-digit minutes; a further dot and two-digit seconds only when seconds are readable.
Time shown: 4.20
